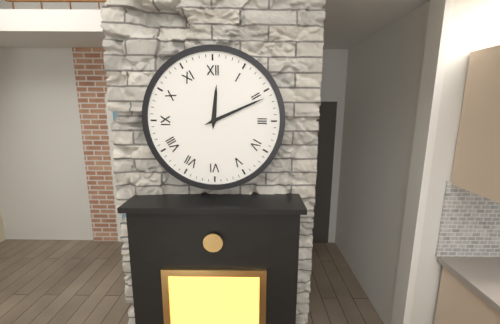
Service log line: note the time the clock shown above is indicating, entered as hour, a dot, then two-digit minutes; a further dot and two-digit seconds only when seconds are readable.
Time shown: 12.11
